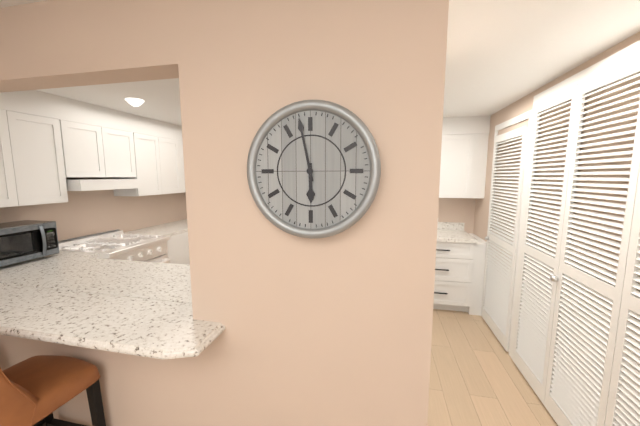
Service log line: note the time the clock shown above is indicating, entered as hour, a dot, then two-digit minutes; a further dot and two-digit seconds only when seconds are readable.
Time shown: 5.58
